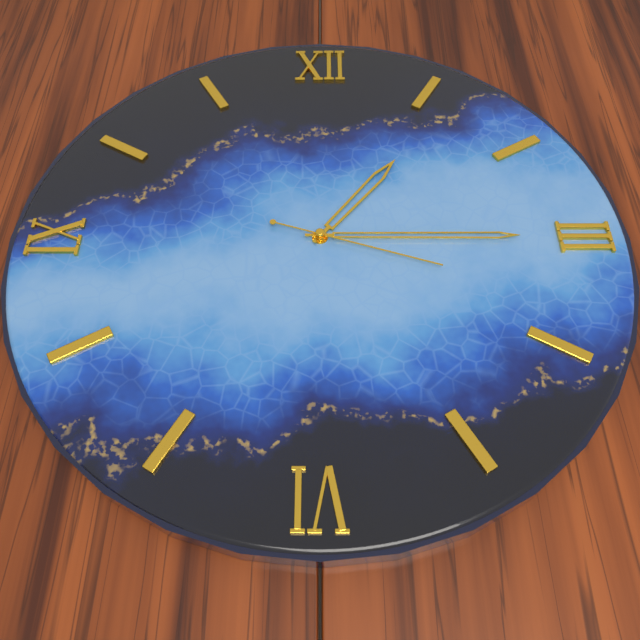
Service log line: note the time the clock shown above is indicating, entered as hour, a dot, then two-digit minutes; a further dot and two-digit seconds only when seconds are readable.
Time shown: 1.15.18
